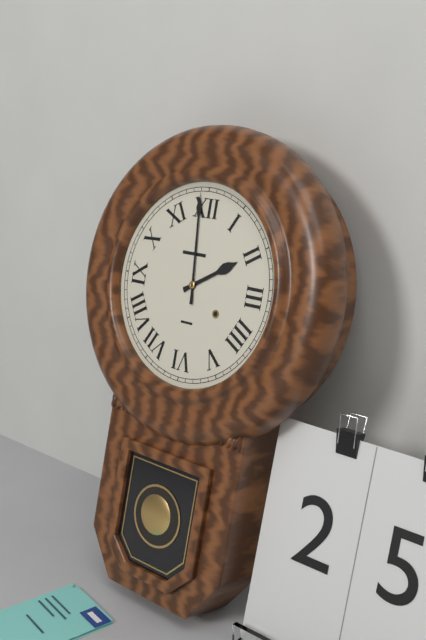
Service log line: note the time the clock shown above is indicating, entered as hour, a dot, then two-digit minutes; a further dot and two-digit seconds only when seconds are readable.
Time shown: 1.59
